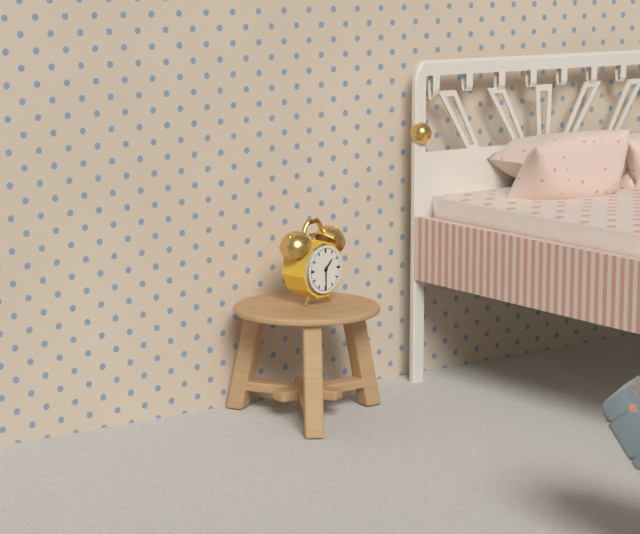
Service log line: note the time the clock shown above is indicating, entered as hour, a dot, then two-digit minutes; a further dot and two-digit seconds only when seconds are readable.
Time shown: 1.30
